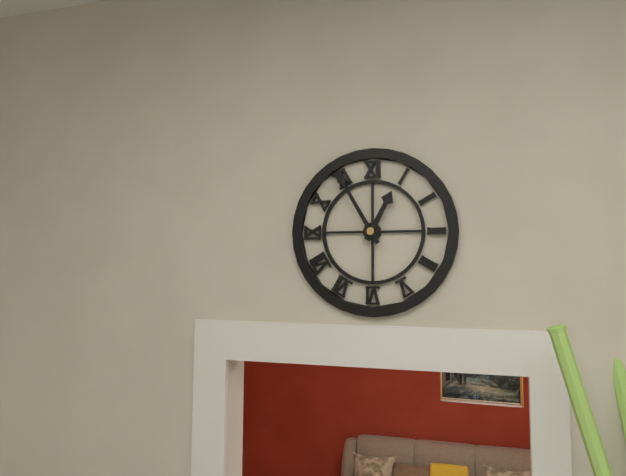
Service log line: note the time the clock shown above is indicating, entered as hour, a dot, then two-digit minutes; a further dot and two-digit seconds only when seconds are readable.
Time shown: 12.55
